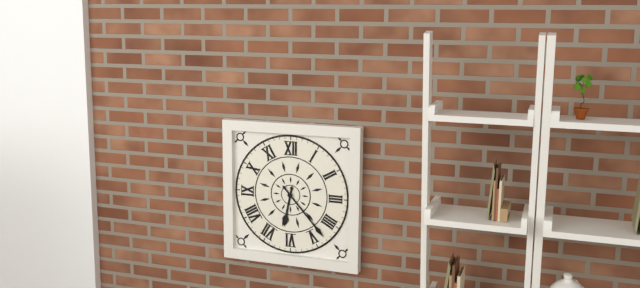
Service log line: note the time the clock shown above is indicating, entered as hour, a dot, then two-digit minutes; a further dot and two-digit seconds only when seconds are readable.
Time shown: 6.23
